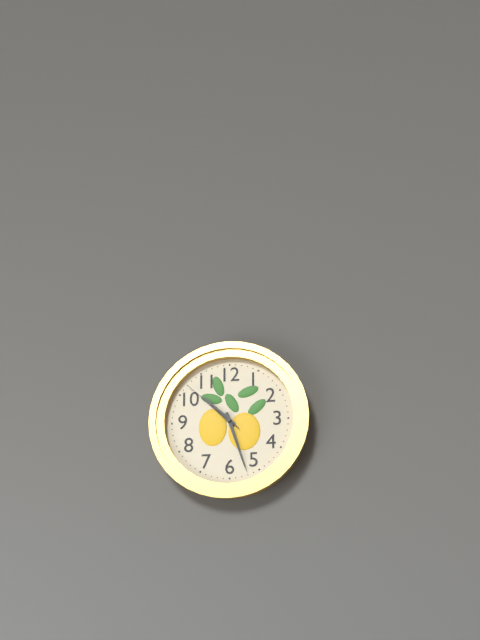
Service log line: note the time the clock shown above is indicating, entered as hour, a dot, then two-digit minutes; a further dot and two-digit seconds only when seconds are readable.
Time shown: 10.27.52
